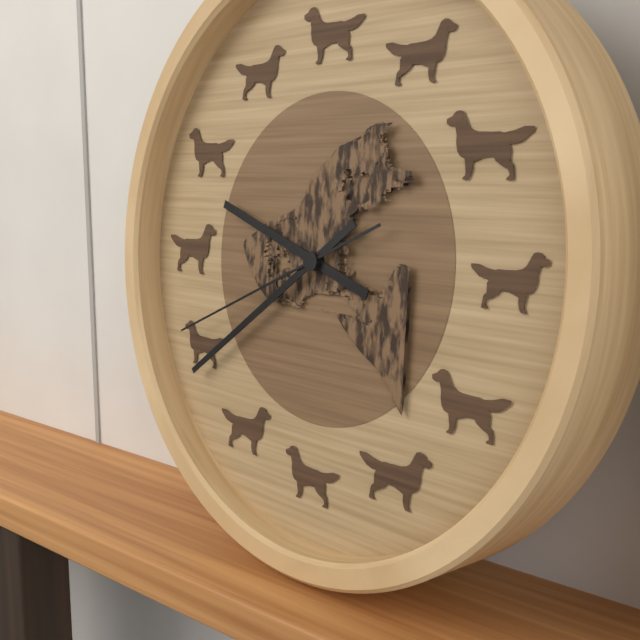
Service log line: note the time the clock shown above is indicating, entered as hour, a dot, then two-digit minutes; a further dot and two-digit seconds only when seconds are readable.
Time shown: 9.39.41
